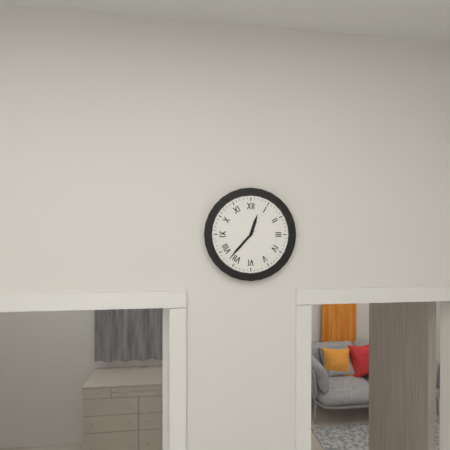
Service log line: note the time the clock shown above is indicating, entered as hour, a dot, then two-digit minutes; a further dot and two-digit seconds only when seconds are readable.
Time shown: 12.37
